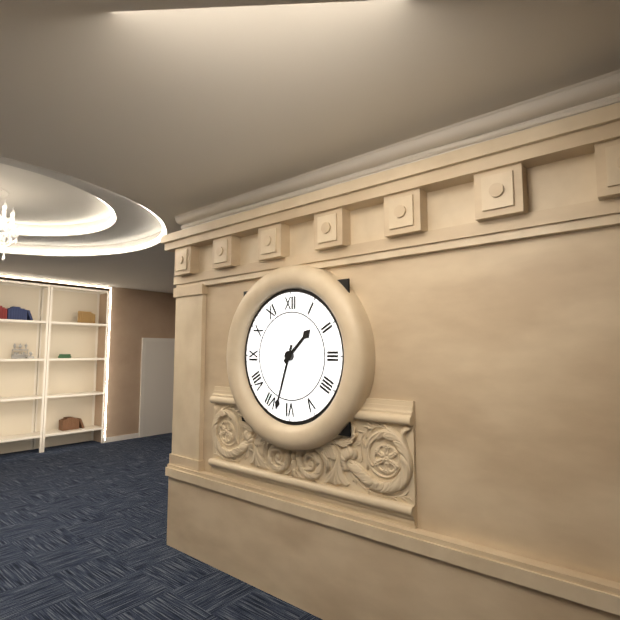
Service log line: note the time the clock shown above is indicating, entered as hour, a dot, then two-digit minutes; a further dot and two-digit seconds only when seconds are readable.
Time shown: 1.33
